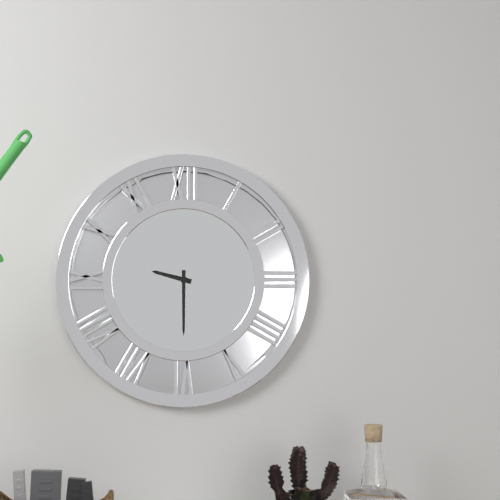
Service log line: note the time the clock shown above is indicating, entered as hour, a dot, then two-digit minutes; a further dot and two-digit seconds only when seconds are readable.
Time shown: 9.30
